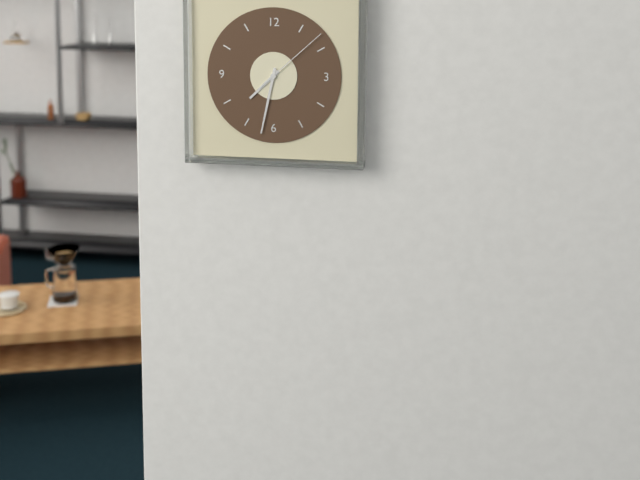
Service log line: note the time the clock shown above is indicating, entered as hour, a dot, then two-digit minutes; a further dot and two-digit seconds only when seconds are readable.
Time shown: 7.32.08
